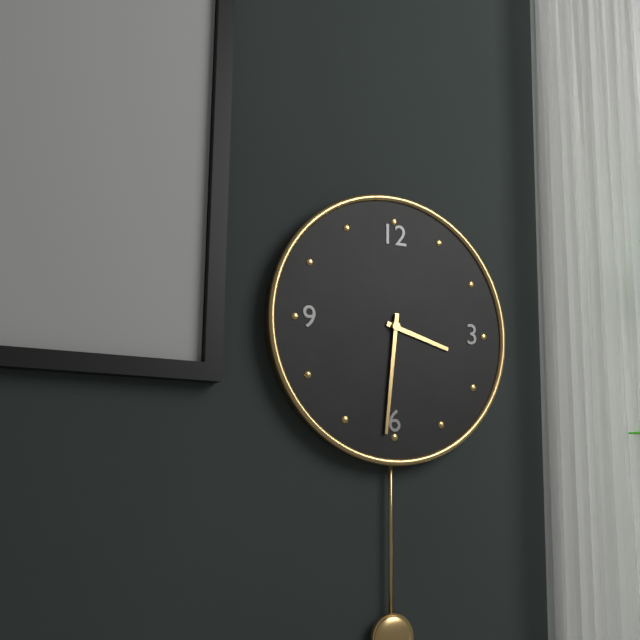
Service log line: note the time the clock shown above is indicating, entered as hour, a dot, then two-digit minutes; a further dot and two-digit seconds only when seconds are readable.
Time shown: 3.31
